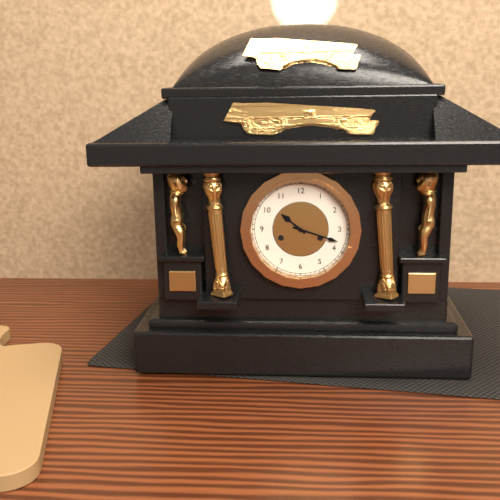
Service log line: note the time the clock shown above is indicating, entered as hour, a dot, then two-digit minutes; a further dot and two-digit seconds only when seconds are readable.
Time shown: 10.18
